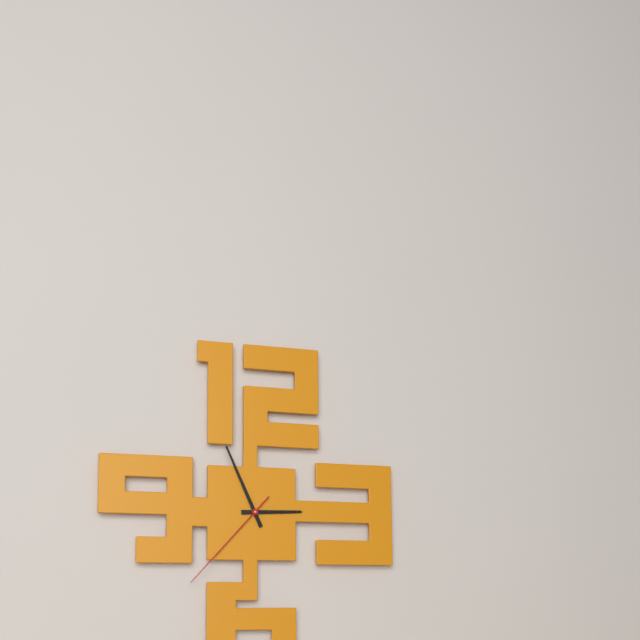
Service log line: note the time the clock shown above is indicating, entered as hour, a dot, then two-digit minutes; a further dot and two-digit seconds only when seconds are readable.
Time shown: 2.56.37
